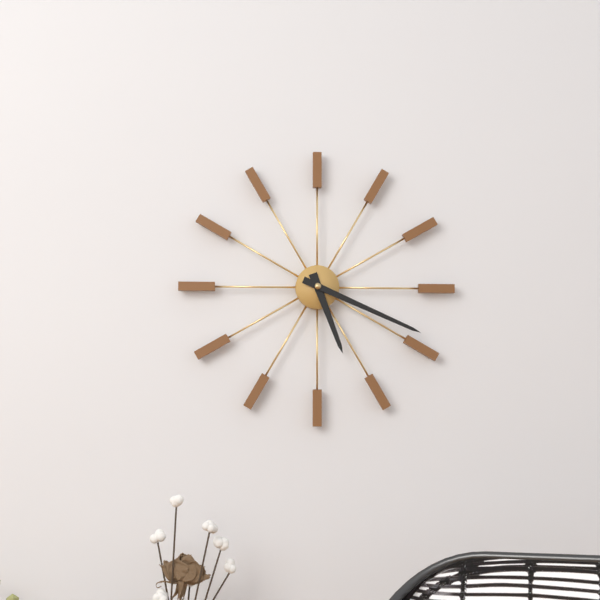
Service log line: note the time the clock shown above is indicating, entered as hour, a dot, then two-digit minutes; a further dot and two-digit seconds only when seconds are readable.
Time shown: 5.19
